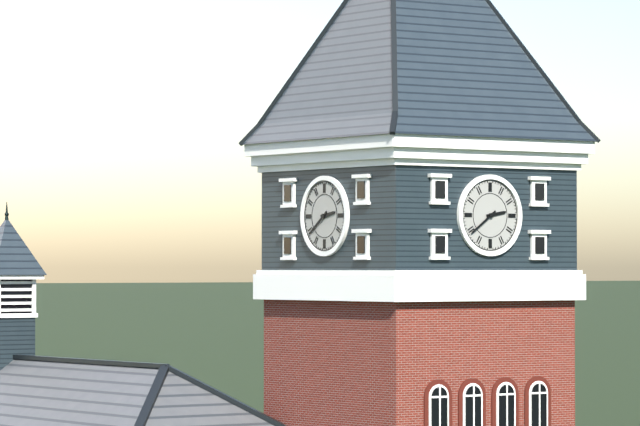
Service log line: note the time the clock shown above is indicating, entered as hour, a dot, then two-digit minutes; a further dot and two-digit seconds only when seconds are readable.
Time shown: 2.39
